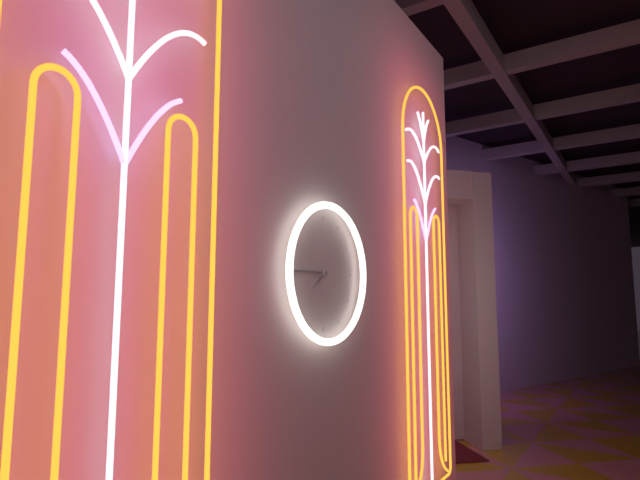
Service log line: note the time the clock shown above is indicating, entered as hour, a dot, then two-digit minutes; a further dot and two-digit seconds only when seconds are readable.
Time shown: 7.45
